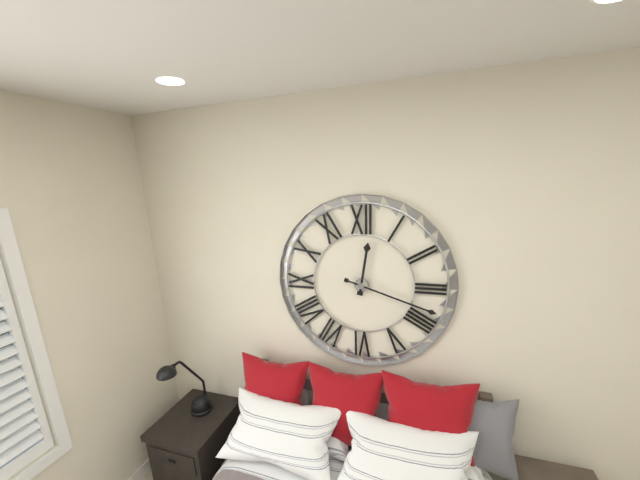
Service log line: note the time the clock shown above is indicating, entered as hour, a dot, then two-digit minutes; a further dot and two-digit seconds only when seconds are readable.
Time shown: 12.18
